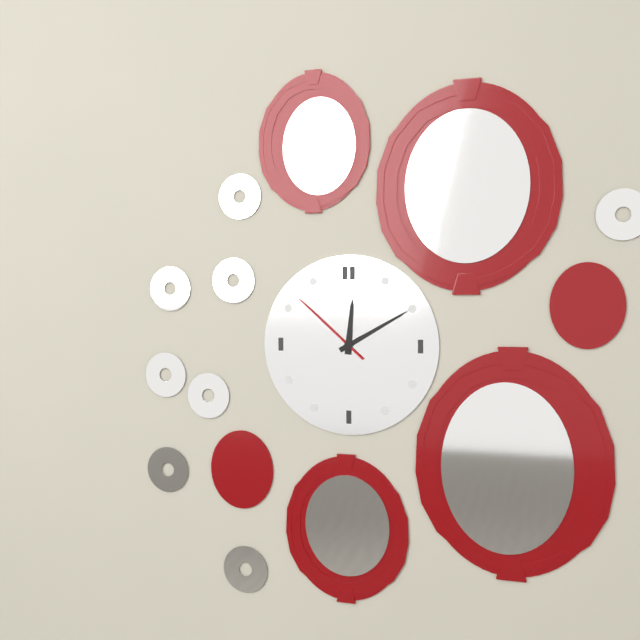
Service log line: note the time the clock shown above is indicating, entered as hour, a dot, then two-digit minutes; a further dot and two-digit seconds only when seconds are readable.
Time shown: 12.10.52
